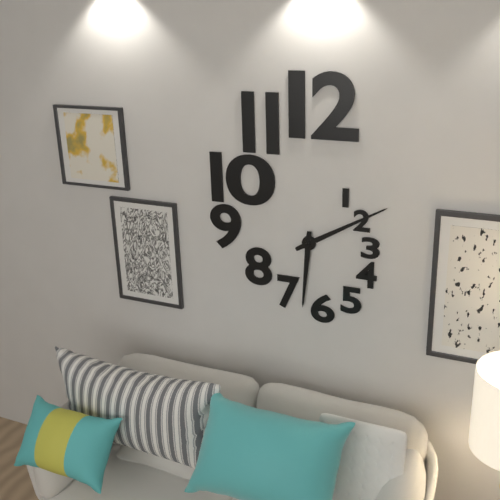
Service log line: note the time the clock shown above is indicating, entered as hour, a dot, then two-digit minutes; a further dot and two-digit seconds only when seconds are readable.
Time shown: 6.10
